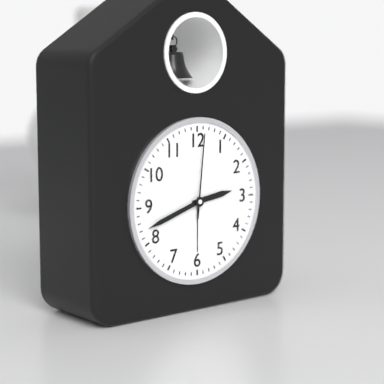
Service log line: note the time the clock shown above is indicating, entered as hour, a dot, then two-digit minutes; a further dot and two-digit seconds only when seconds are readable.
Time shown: 2.42.01
